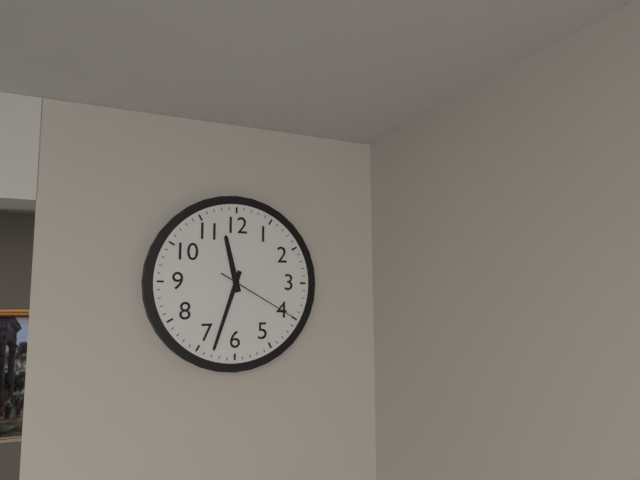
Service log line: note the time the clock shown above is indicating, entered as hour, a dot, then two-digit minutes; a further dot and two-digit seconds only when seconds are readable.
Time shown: 11.33.20
